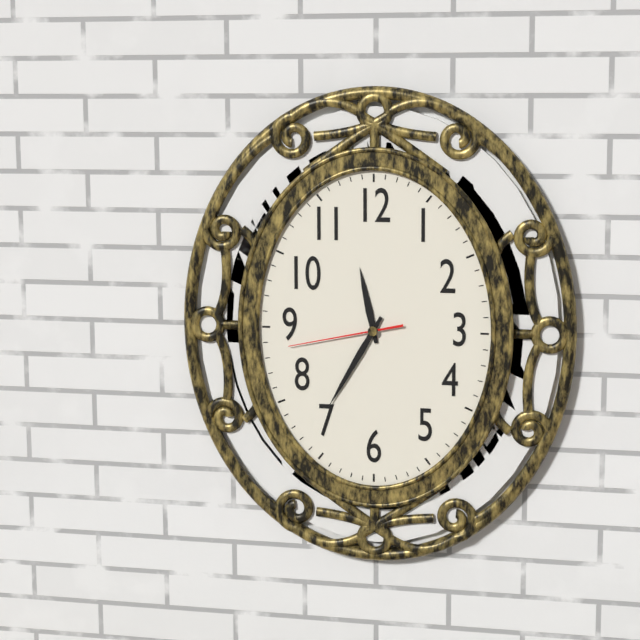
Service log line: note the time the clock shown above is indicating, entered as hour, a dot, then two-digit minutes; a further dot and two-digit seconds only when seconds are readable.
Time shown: 11.35.43
